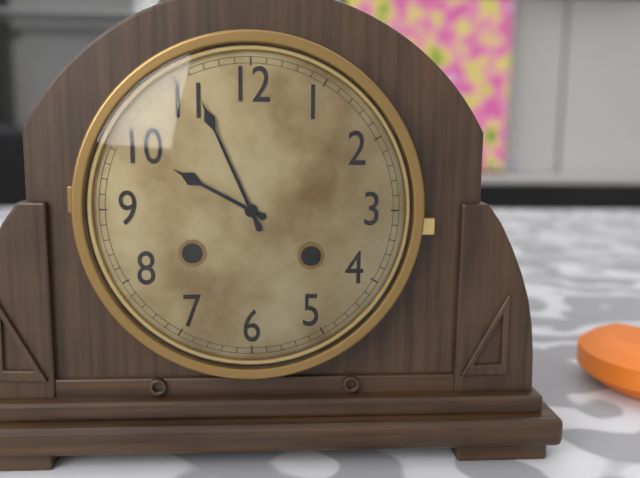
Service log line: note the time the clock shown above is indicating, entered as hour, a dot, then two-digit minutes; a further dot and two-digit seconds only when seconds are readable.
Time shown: 9.56
